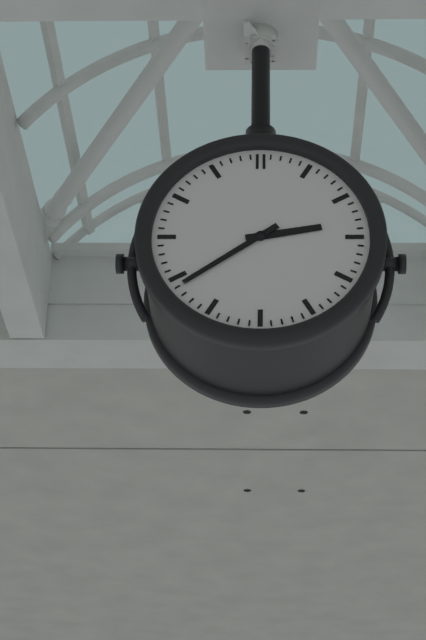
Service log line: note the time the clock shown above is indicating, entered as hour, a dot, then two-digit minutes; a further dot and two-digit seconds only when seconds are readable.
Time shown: 2.39
